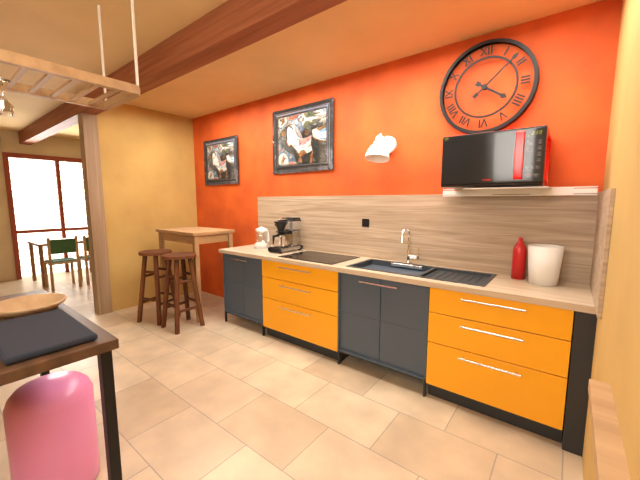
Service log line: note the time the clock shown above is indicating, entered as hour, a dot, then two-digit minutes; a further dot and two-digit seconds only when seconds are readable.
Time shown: 4.08
